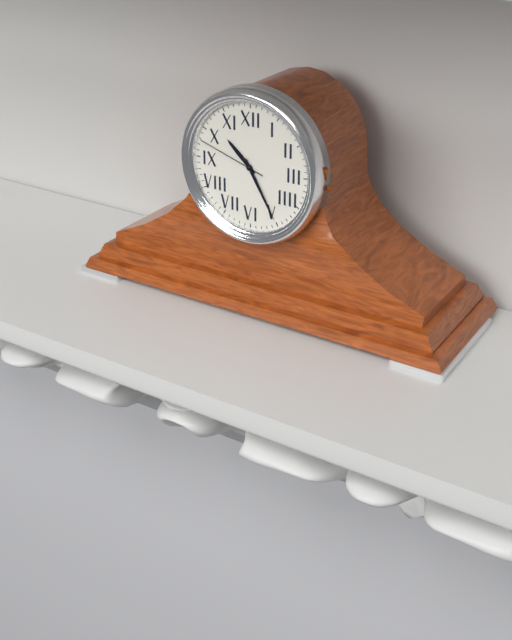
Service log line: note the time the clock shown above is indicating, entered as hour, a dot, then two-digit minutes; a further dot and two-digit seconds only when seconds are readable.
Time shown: 10.25.48
